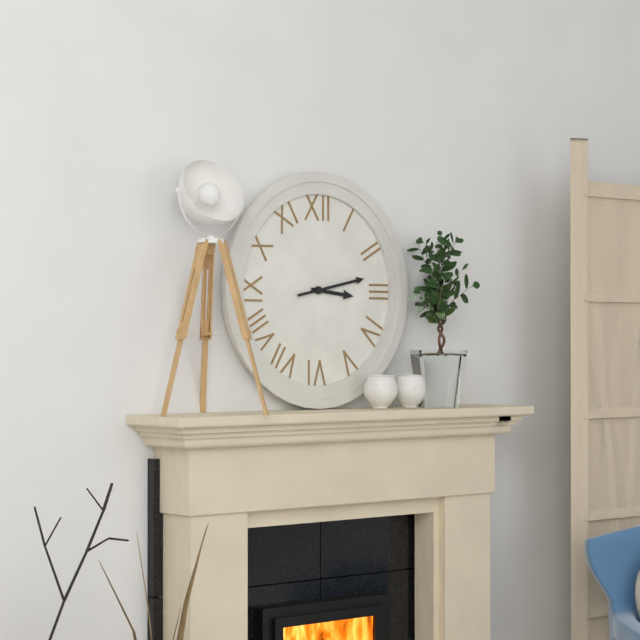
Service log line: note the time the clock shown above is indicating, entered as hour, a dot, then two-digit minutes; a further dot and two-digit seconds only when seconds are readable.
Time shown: 3.13
